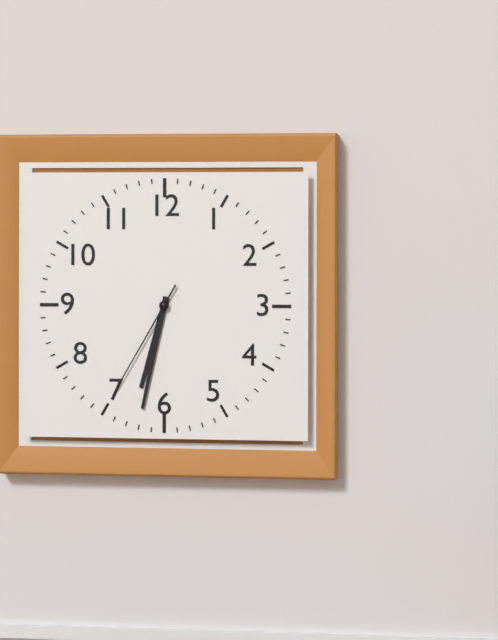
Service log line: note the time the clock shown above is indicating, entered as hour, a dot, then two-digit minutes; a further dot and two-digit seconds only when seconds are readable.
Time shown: 6.32.35
